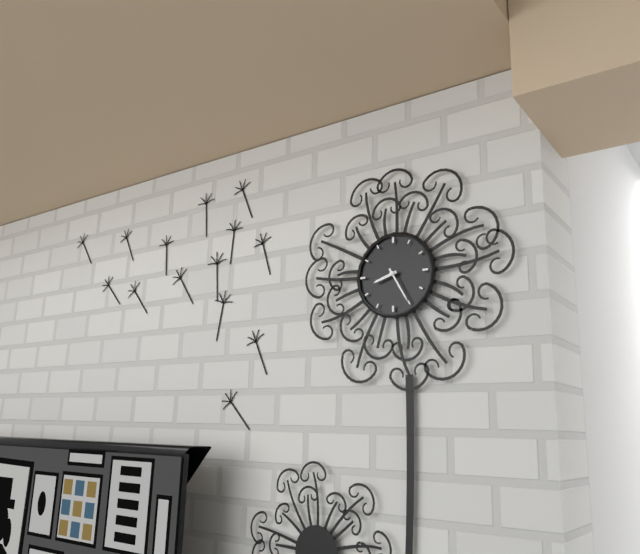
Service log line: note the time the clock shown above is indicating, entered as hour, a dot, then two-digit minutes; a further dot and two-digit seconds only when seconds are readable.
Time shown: 8.25
